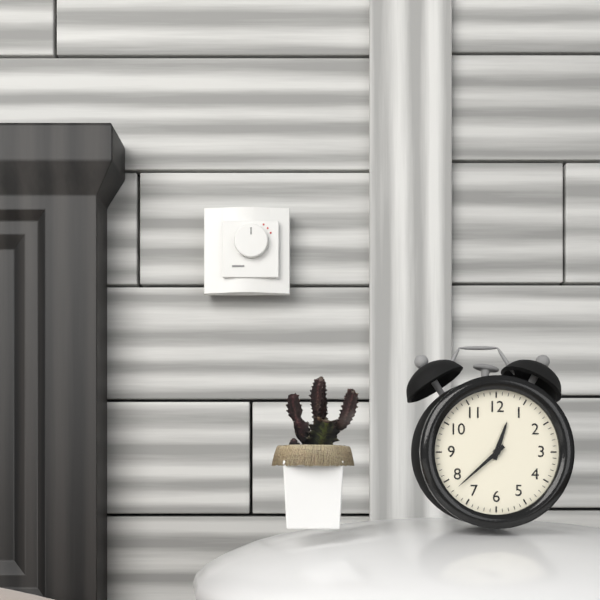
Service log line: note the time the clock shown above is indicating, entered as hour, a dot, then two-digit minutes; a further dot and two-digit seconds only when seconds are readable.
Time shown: 12.38
